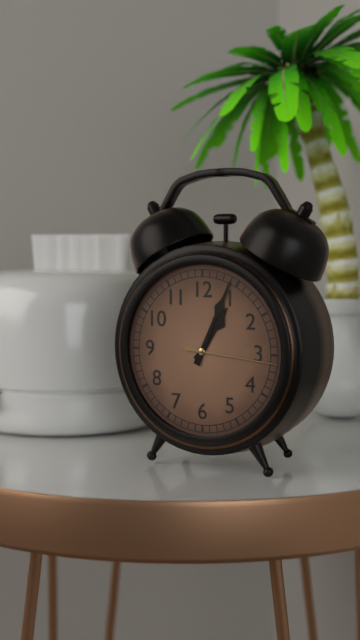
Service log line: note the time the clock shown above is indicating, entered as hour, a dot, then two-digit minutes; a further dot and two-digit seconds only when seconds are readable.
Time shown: 1.04.16
